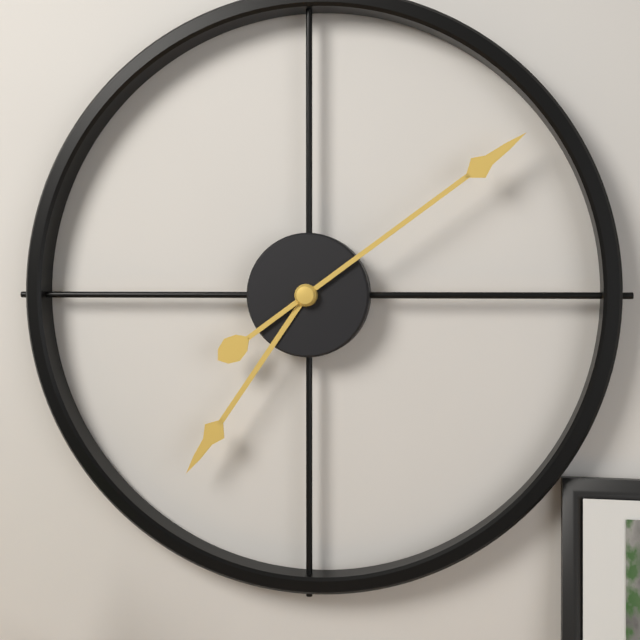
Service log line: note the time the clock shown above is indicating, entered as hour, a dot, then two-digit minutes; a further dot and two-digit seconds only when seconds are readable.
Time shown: 7.09
